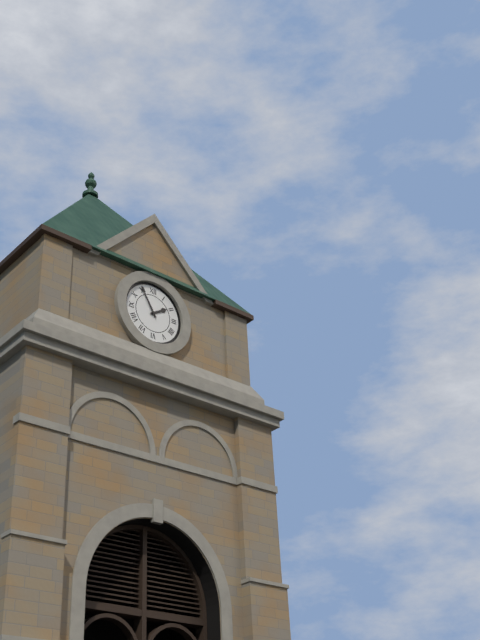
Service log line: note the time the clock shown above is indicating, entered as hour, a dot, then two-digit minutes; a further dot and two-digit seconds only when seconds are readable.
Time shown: 1.55
